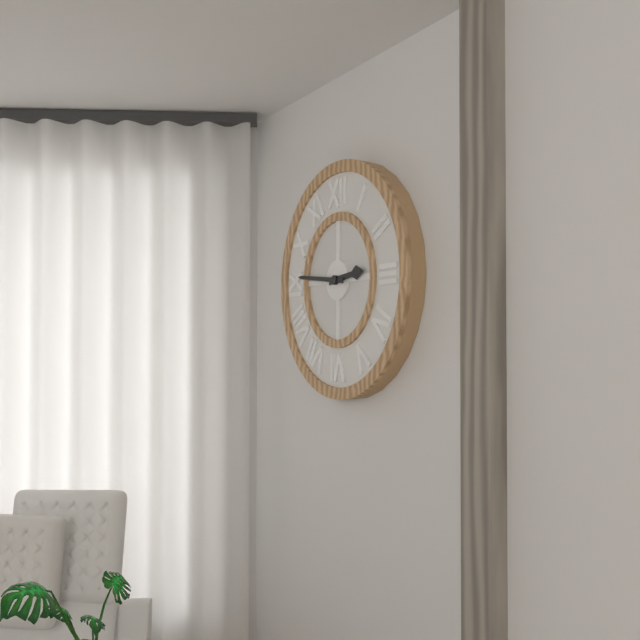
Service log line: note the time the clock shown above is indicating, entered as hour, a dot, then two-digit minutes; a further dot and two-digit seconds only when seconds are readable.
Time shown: 2.46
